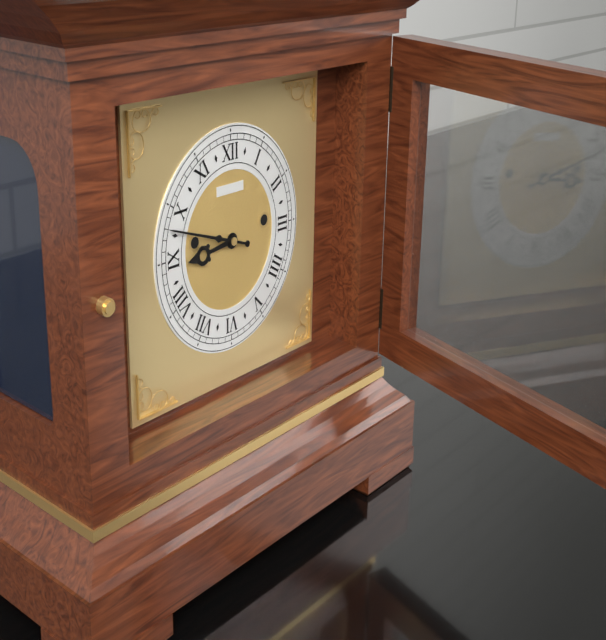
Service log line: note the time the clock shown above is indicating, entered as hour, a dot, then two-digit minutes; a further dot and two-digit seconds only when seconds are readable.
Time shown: 8.48
